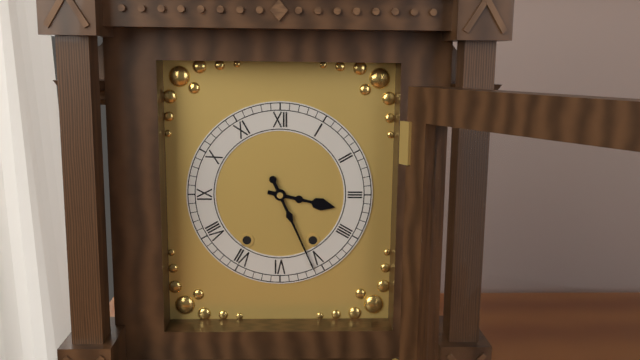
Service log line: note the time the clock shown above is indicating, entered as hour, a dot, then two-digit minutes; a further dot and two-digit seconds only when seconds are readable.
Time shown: 3.26
